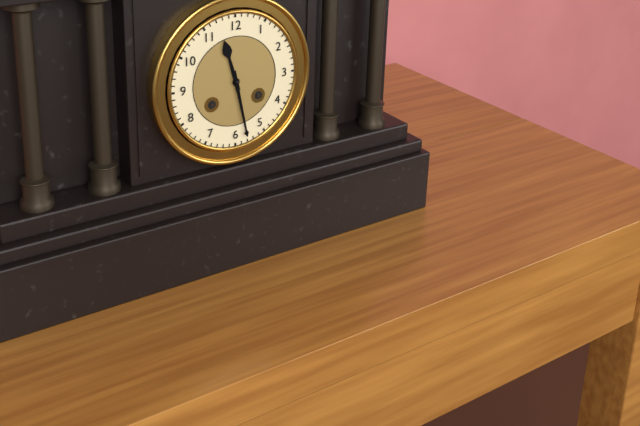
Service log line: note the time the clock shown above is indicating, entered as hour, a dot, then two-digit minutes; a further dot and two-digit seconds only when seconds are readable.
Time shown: 11.28
